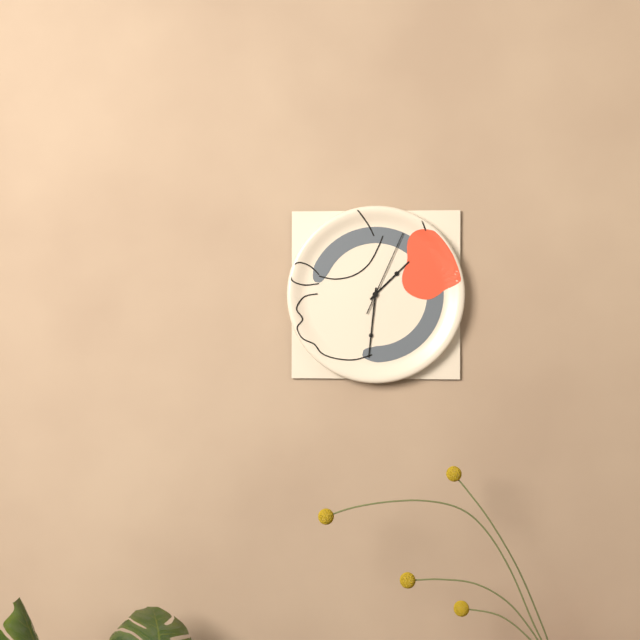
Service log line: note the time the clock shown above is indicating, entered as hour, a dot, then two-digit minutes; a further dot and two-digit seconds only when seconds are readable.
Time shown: 1.31.04
